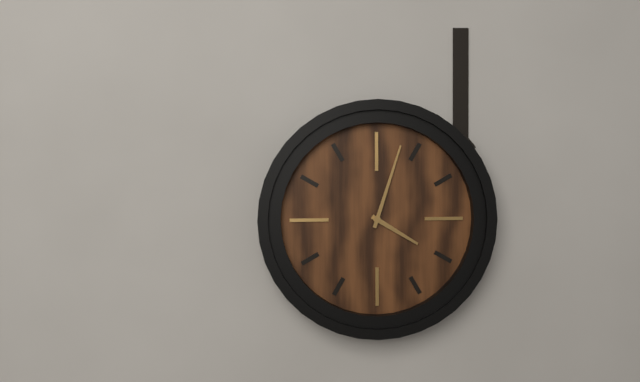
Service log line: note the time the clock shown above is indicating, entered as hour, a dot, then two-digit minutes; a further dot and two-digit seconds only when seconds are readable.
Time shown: 4.03
